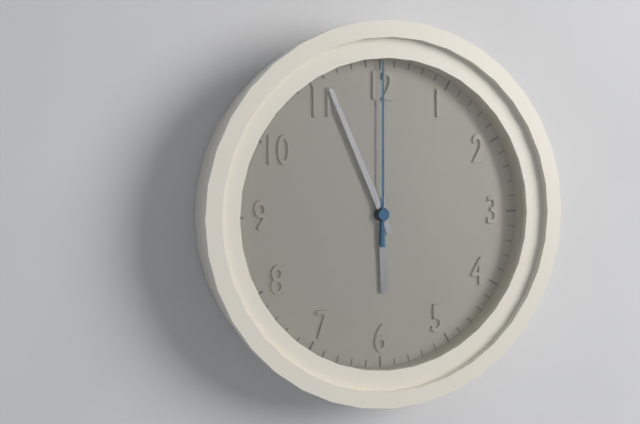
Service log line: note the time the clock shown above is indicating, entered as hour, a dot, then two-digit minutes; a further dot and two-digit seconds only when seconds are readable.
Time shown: 5.56.00
